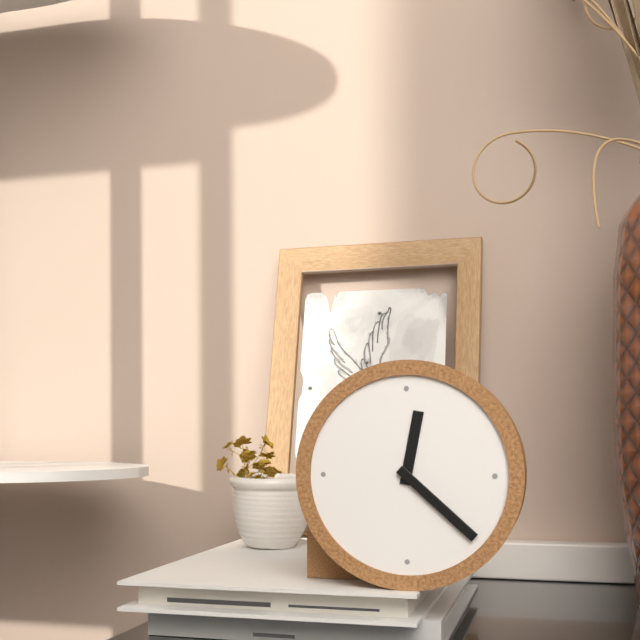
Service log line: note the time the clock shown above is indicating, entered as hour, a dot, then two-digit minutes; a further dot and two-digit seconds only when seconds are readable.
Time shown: 12.22
